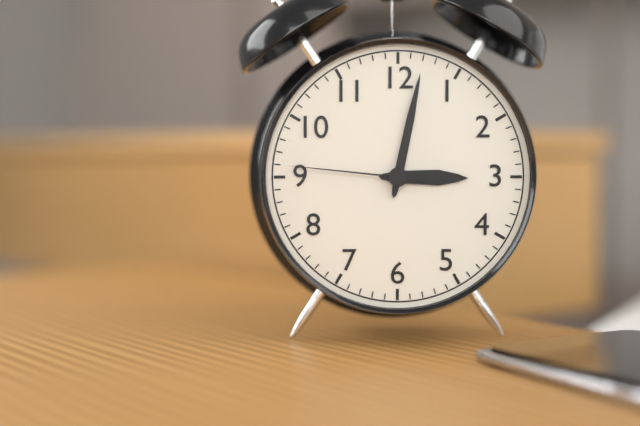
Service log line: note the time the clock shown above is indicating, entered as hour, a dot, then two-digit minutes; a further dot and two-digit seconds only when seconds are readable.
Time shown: 3.02.46
